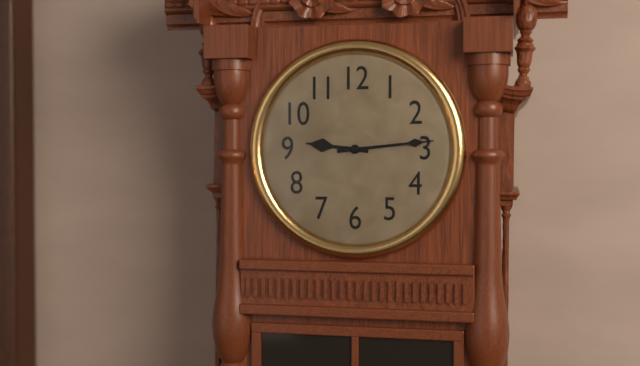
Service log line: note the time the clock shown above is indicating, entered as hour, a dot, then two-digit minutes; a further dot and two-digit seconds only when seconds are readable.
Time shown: 9.14
